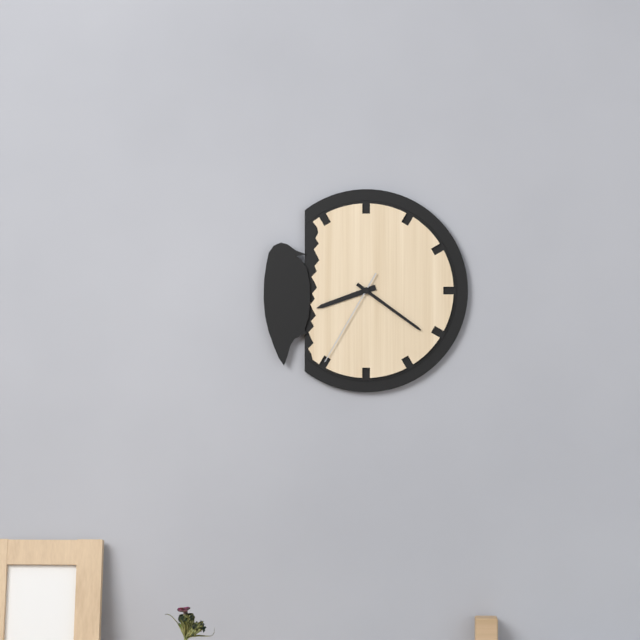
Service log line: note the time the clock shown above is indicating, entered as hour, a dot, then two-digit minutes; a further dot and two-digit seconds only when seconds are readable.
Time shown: 8.21.35
